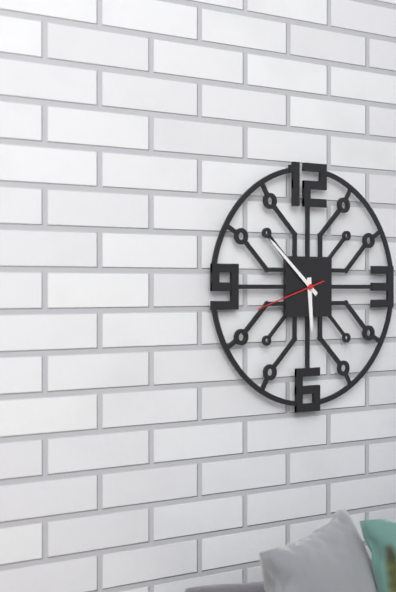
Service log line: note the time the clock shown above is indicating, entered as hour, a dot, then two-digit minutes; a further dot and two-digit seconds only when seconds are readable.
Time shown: 5.52.42
